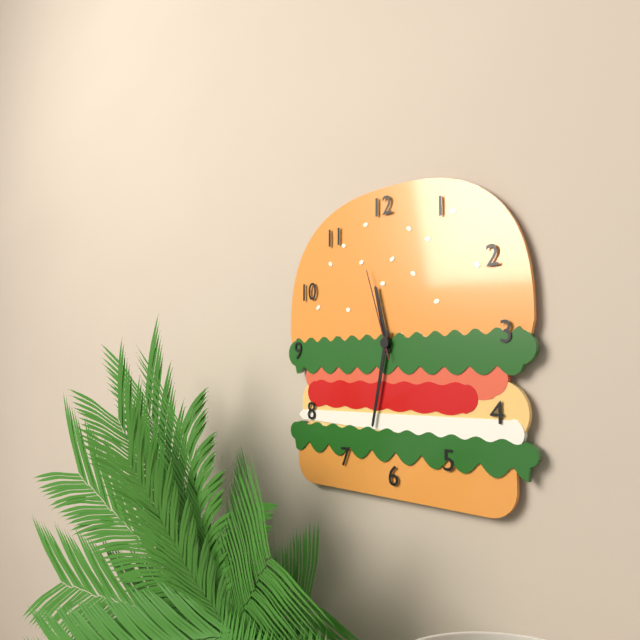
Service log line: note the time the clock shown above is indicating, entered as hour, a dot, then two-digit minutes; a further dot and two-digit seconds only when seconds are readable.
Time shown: 11.32.57
